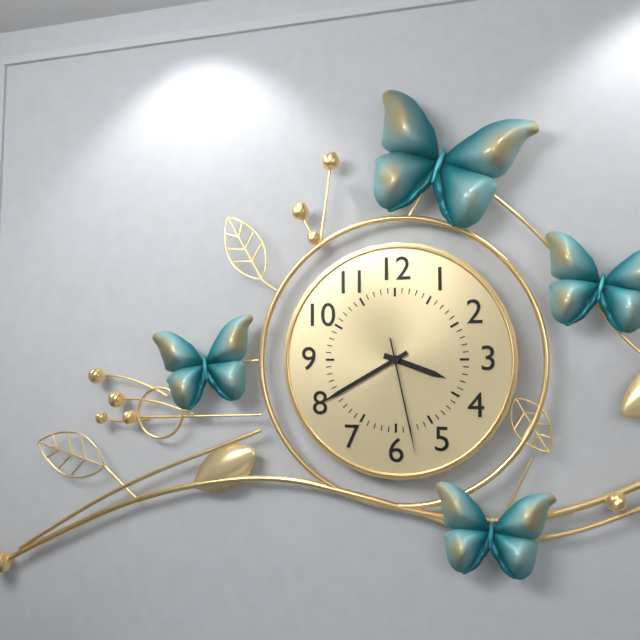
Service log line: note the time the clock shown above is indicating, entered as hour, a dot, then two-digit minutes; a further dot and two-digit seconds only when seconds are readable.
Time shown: 3.40.28
